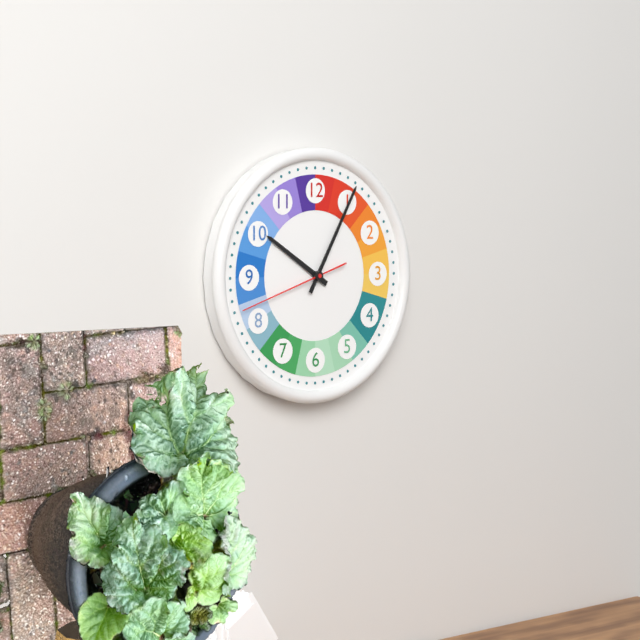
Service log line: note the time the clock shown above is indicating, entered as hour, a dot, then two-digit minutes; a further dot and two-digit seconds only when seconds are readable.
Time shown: 10.05.42
